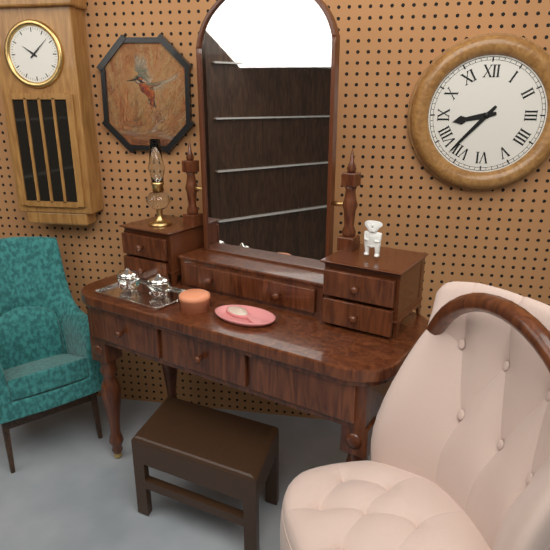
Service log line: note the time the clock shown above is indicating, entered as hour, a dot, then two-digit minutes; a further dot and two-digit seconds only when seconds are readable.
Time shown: 8.37
